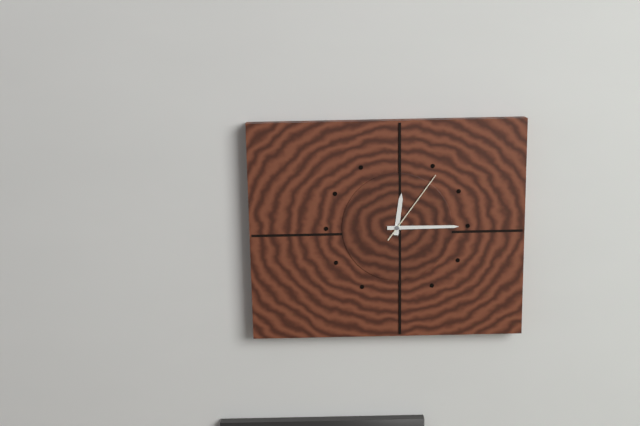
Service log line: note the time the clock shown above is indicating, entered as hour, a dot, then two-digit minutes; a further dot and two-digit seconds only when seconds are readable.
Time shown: 12.15.06
